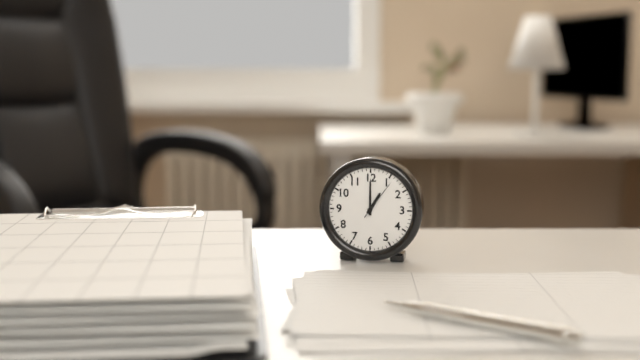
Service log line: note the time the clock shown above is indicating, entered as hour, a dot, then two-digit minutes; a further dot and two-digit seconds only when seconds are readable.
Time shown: 1.00
